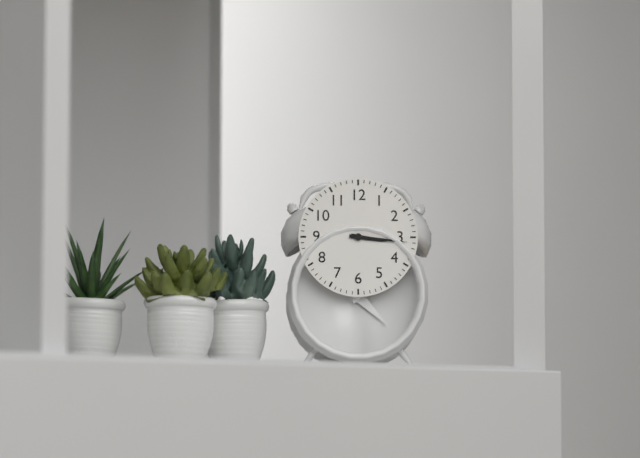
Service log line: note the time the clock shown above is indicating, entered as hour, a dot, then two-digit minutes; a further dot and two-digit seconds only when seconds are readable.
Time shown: 3.16
